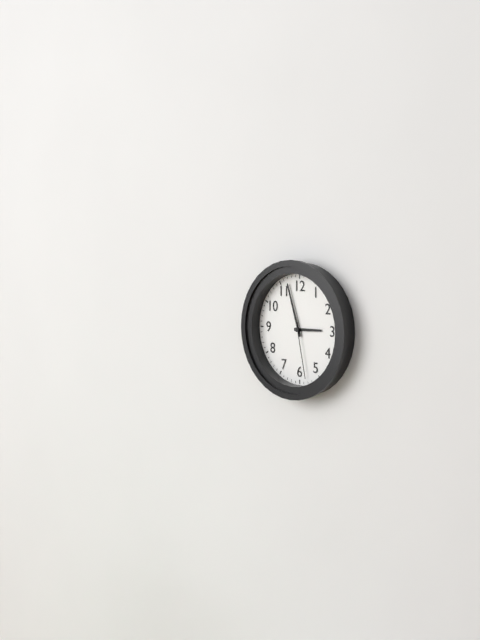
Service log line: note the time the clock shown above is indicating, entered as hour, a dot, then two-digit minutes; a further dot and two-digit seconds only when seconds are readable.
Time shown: 2.57.28
